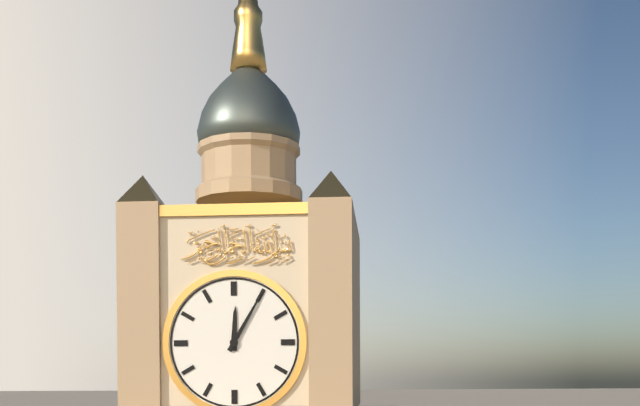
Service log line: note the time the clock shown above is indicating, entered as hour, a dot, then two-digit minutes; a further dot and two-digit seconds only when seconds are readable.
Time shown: 12.05
